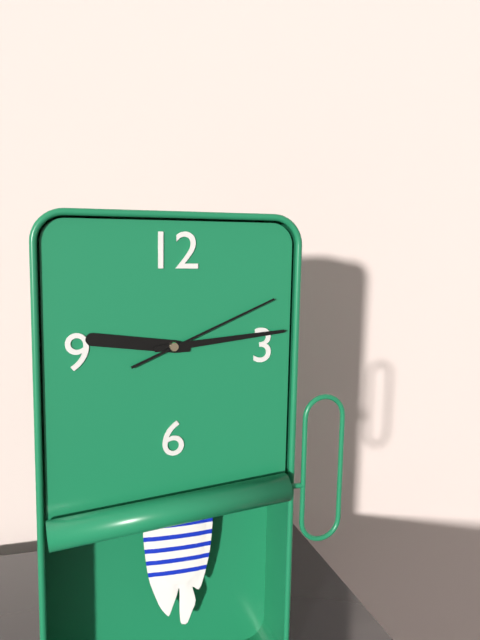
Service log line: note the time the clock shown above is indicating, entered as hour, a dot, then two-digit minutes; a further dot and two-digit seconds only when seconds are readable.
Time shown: 9.14.11
